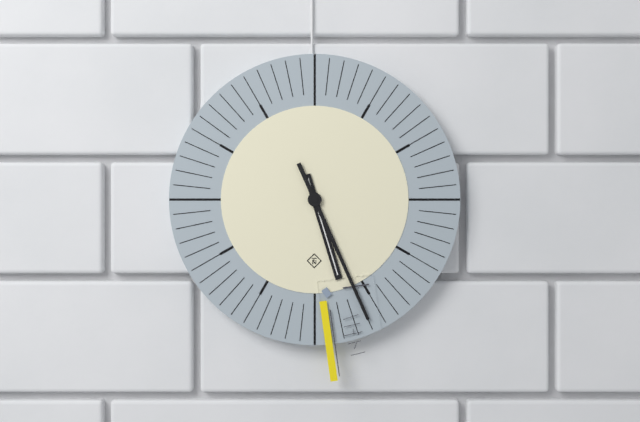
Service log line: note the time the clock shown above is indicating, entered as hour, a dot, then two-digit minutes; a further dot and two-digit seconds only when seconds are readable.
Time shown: 5.26
